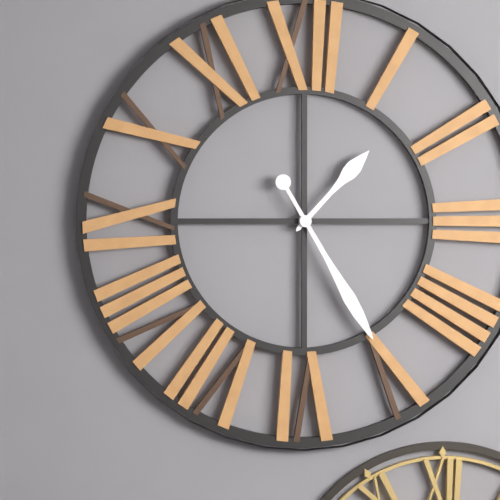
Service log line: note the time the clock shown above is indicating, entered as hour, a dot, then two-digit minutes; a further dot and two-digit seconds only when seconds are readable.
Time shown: 1.25
